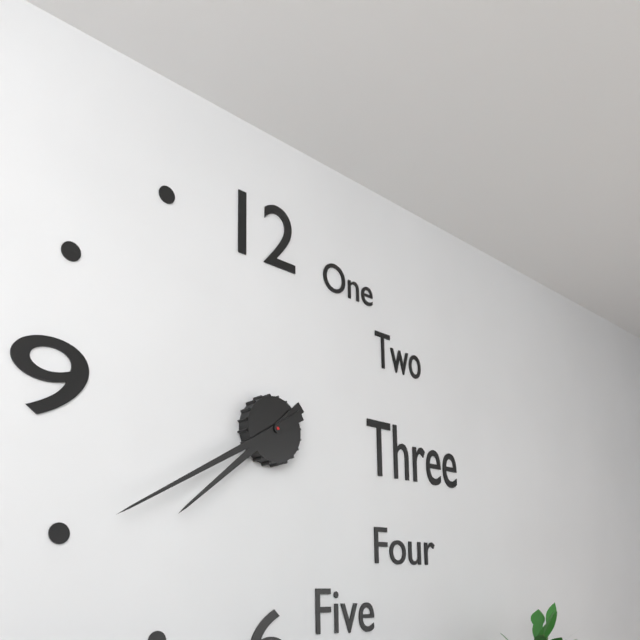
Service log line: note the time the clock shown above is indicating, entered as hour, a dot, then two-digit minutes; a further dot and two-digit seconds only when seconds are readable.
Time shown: 7.40
